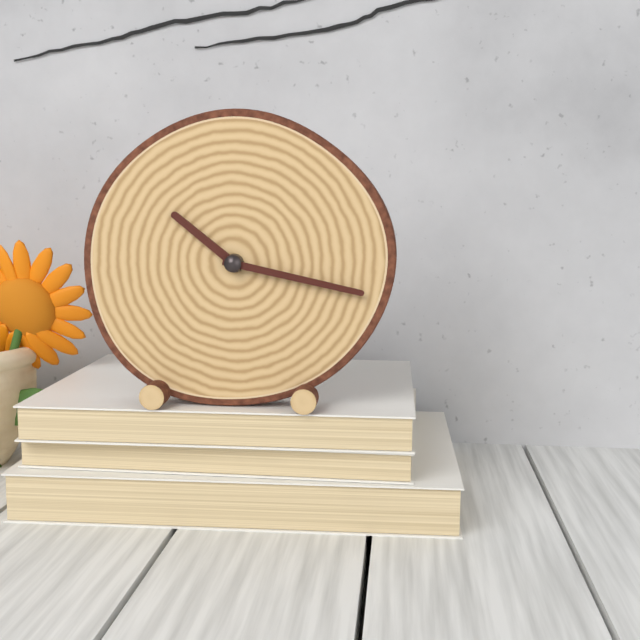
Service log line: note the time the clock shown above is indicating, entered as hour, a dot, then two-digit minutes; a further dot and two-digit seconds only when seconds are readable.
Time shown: 10.17
